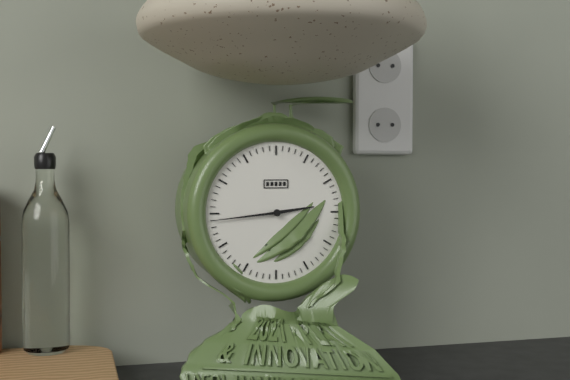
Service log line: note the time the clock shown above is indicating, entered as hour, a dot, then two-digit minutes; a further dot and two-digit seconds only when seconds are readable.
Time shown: 2.44
